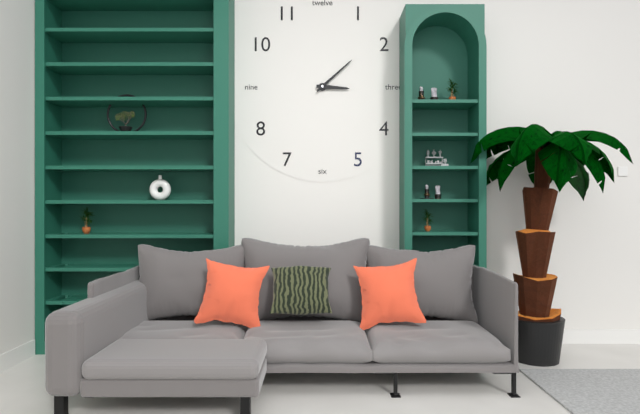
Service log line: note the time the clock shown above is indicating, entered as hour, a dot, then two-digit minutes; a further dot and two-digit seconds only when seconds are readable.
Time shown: 3.08
